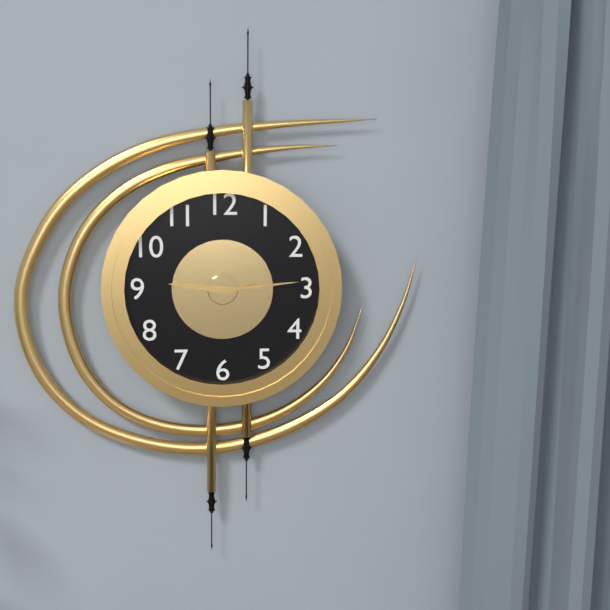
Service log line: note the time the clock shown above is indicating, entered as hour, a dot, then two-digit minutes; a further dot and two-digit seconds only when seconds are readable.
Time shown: 9.14
